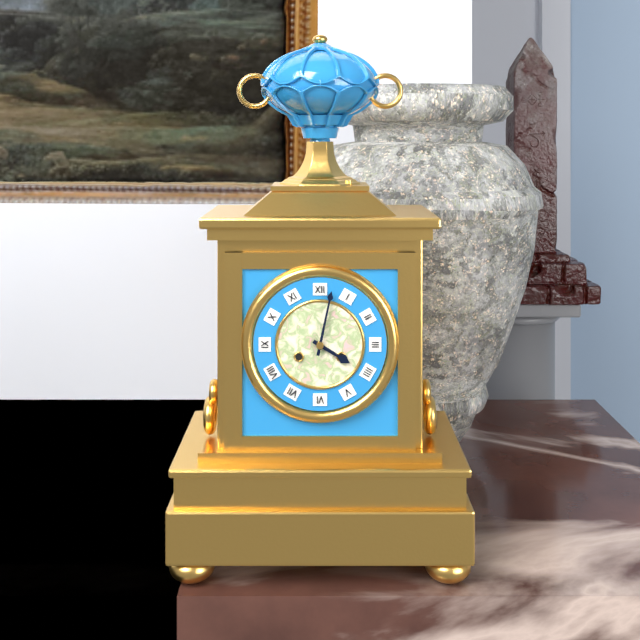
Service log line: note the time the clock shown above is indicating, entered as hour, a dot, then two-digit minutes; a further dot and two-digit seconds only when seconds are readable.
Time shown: 4.02
